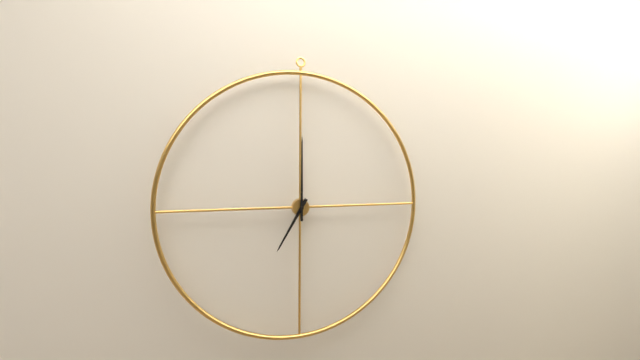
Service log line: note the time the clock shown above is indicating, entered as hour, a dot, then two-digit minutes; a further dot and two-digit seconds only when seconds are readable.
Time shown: 7.00
